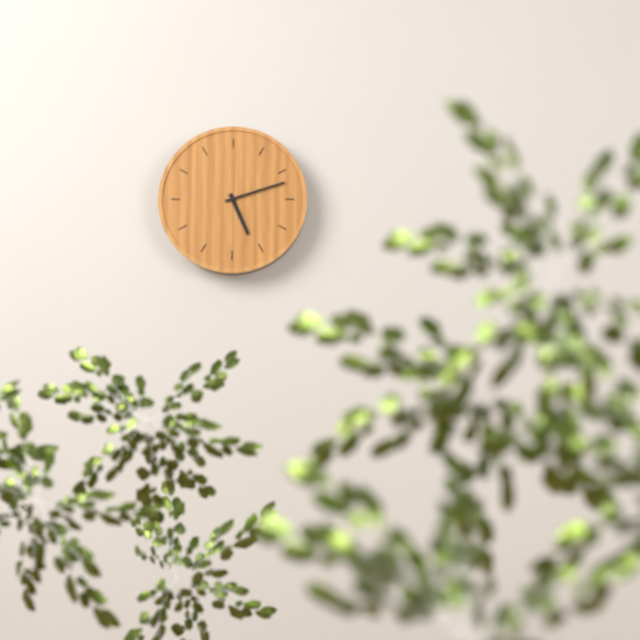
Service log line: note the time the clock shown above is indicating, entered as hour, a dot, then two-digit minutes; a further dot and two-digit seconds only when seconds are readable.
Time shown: 5.12
